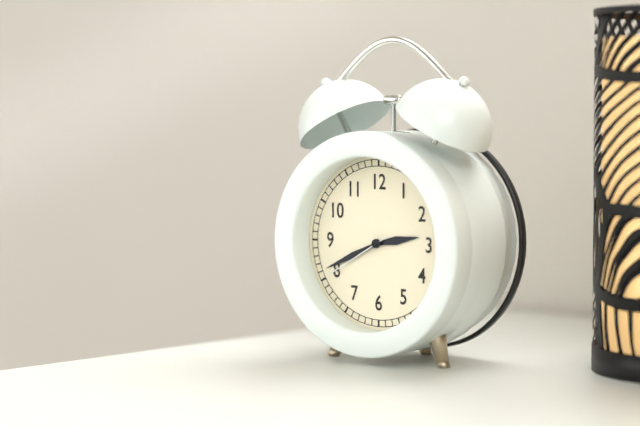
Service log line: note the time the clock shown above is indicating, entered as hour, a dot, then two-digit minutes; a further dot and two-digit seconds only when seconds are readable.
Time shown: 2.41.40
